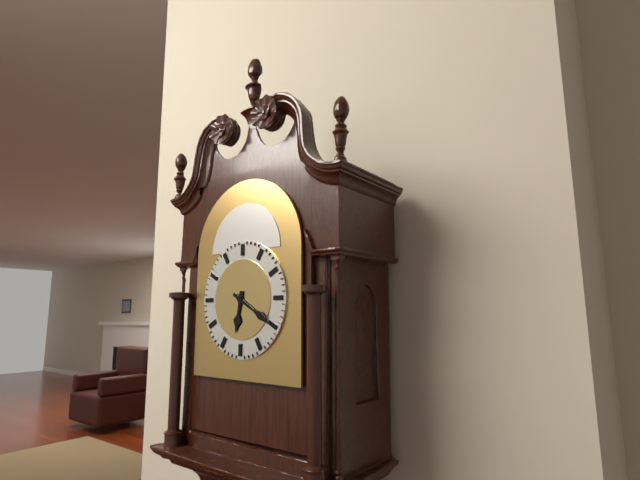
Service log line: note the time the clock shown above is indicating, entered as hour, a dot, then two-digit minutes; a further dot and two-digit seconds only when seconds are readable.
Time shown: 6.20
